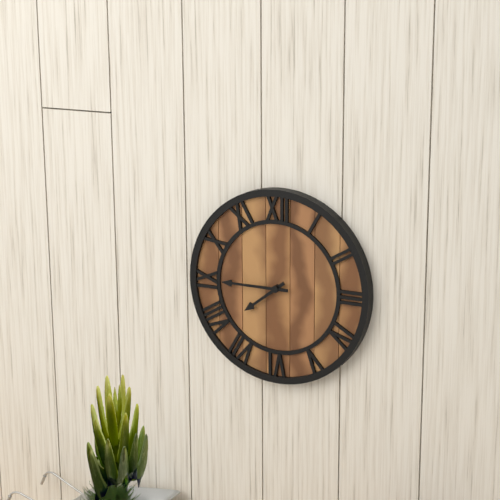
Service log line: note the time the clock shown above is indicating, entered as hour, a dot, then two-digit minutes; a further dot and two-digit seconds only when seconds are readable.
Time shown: 7.45
